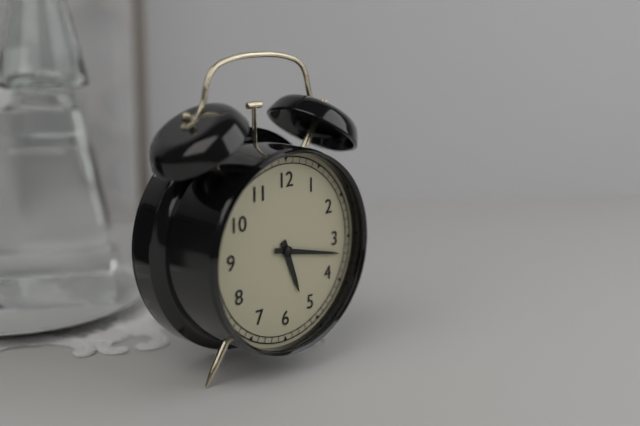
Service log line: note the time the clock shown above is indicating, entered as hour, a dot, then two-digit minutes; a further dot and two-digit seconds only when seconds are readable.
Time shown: 5.17
